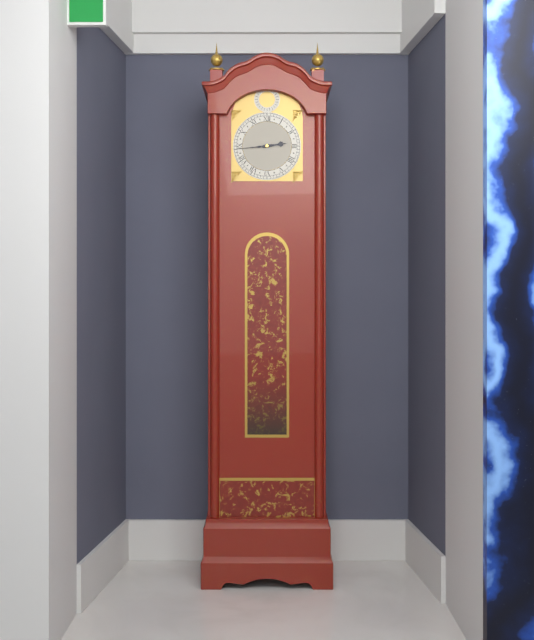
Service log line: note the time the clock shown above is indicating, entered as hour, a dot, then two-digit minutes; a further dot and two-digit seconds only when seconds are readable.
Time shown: 2.44
